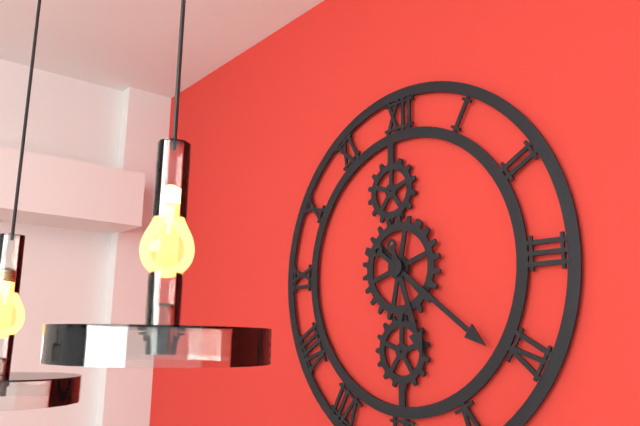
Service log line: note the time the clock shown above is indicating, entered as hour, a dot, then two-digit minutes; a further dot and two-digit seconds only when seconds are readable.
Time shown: 5.21
